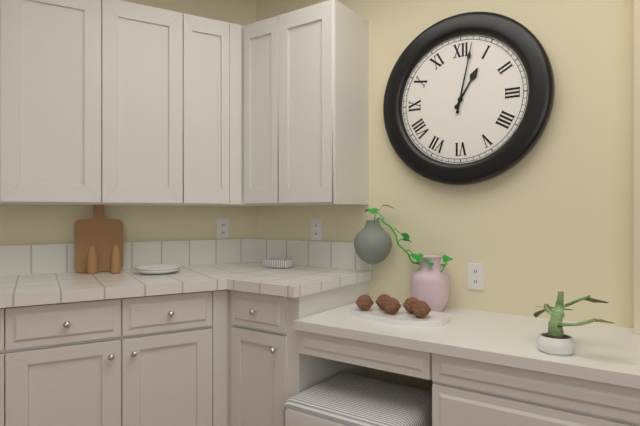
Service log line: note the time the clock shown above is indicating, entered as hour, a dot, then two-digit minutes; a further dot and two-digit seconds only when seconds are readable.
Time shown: 1.02
